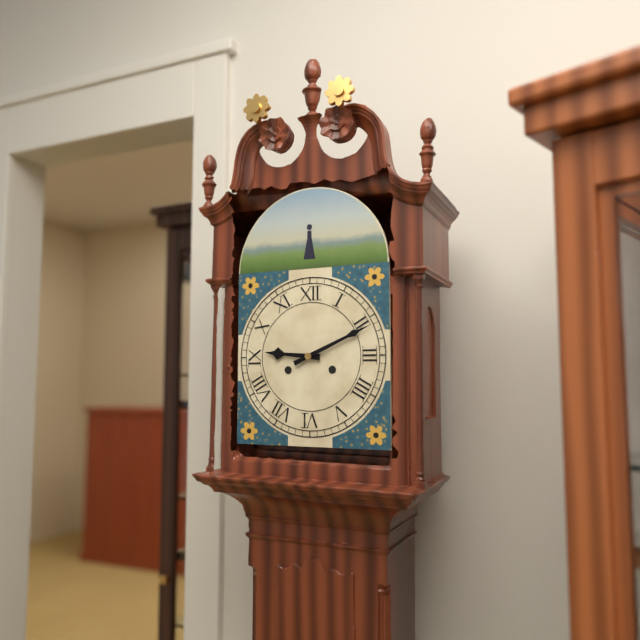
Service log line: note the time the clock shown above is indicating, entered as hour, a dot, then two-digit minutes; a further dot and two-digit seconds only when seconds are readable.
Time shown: 9.11
